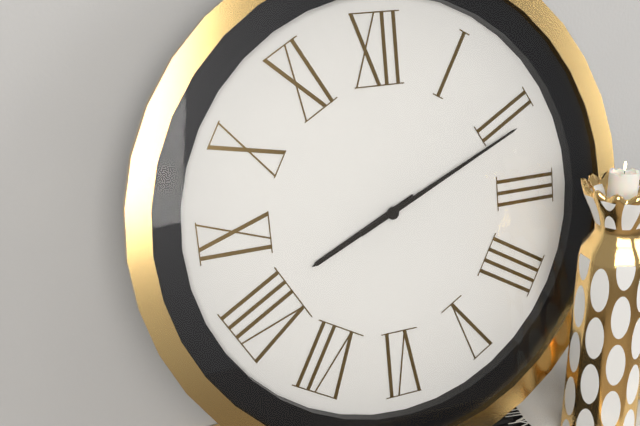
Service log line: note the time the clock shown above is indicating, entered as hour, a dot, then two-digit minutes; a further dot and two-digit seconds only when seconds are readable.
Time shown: 8.11
